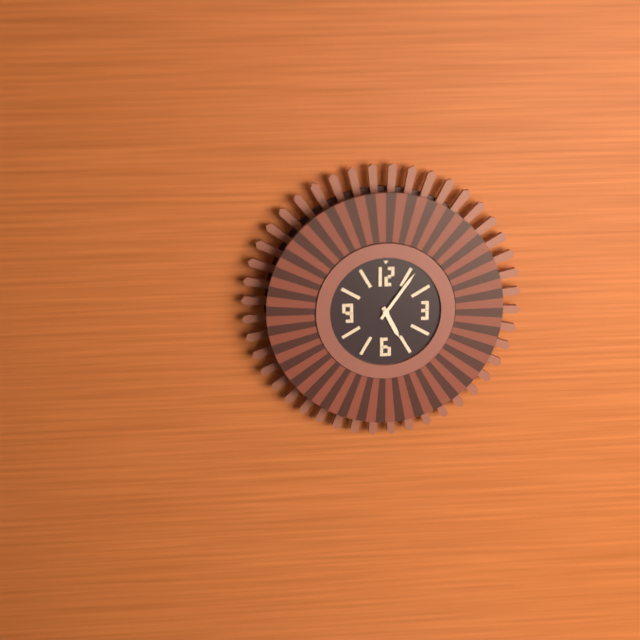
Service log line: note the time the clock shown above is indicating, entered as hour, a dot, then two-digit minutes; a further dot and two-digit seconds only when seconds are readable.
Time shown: 5.06
